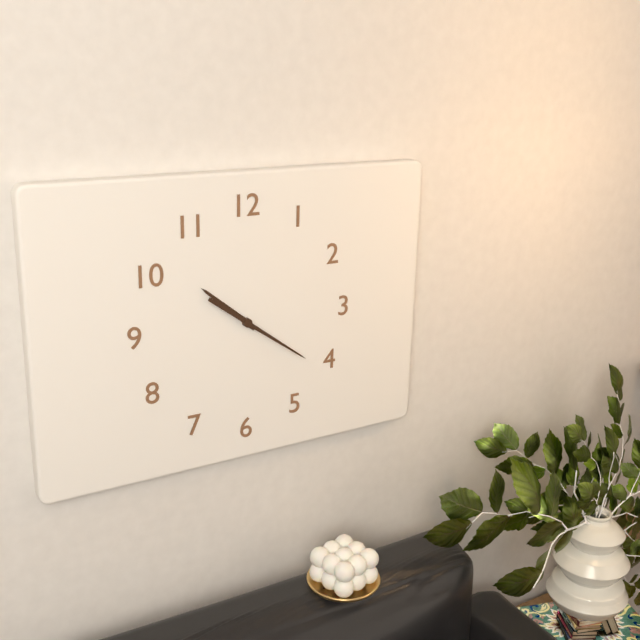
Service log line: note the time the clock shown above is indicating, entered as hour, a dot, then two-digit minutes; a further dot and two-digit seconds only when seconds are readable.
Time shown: 10.21
